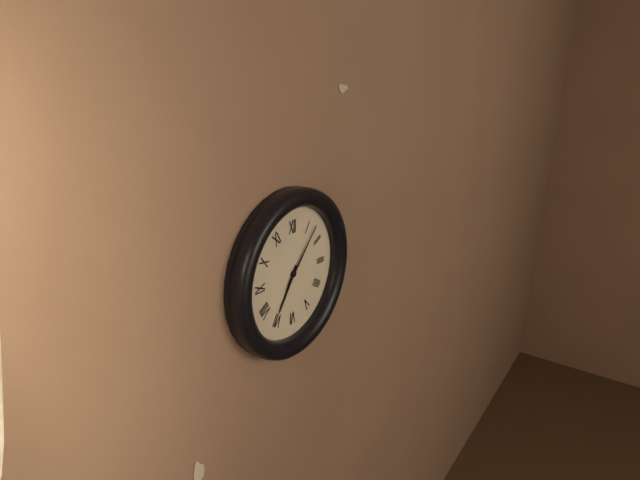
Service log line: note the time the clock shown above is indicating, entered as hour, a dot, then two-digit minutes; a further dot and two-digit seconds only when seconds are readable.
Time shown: 7.07
